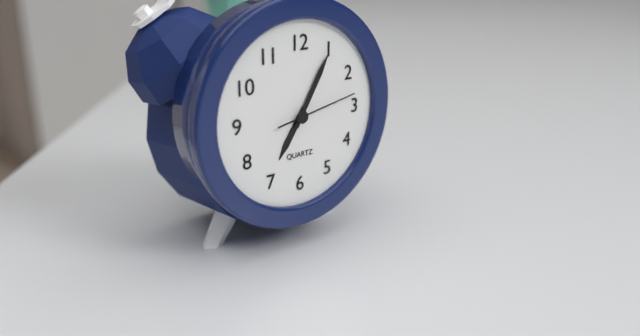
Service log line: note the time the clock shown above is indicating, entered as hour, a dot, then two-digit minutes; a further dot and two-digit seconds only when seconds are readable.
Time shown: 7.05.13
